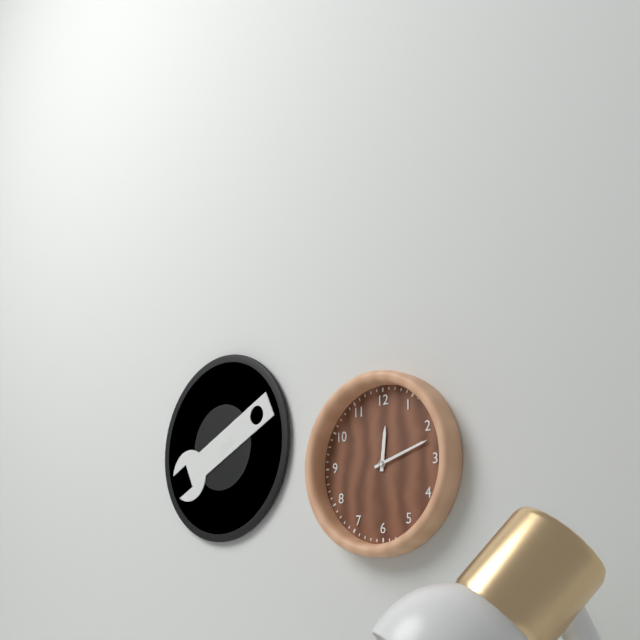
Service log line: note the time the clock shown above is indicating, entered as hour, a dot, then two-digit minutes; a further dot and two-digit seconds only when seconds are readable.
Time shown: 12.12
